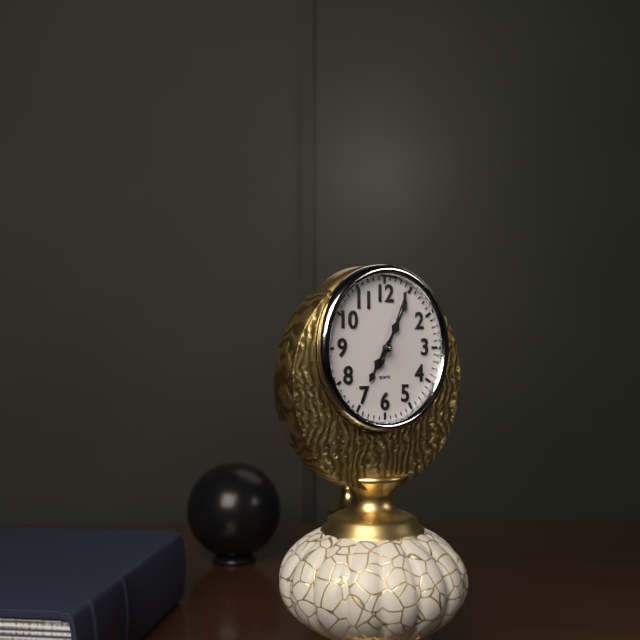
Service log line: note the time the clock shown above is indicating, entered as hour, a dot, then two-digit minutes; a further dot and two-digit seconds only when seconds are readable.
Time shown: 7.05.04
